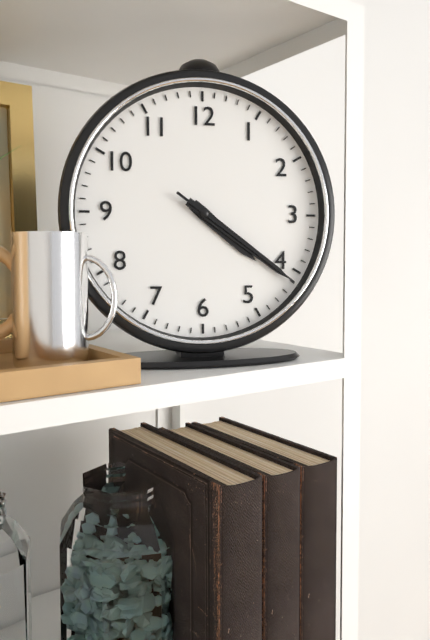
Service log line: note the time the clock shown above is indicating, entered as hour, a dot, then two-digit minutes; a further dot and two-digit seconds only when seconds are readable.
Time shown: 4.21.21
